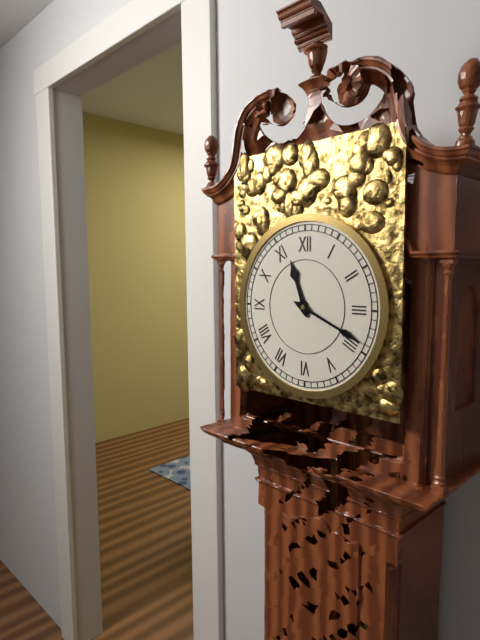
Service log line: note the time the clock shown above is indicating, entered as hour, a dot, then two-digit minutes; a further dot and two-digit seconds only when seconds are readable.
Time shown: 11.19
